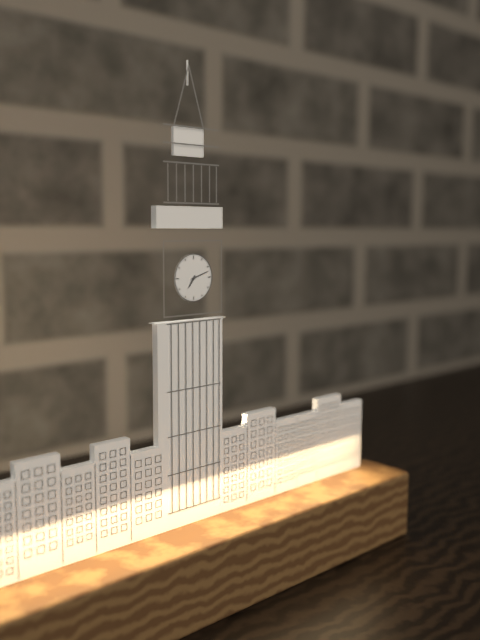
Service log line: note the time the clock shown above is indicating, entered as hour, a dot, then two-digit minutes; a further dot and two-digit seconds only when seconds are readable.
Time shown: 7.12
